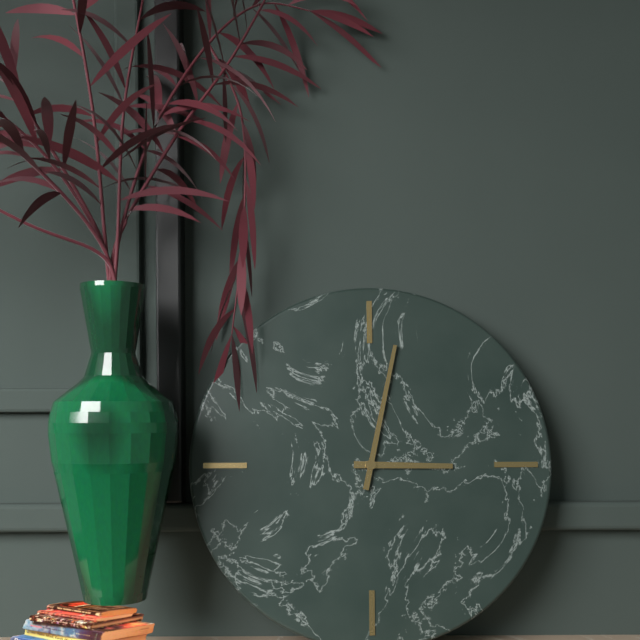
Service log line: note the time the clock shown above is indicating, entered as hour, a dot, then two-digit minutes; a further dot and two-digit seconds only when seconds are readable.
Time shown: 3.02
